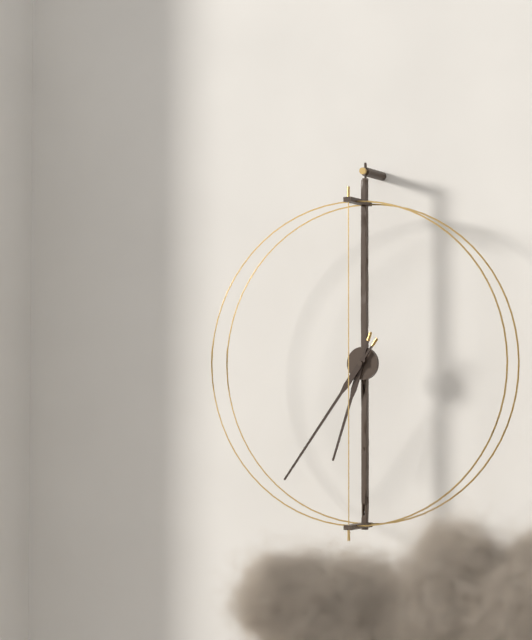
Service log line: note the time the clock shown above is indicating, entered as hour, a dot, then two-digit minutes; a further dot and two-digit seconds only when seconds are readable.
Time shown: 6.36
